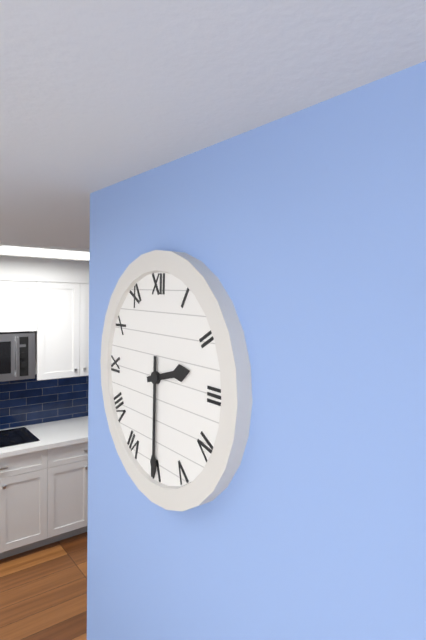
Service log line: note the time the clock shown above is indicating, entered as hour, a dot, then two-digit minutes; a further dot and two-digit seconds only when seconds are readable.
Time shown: 2.30
